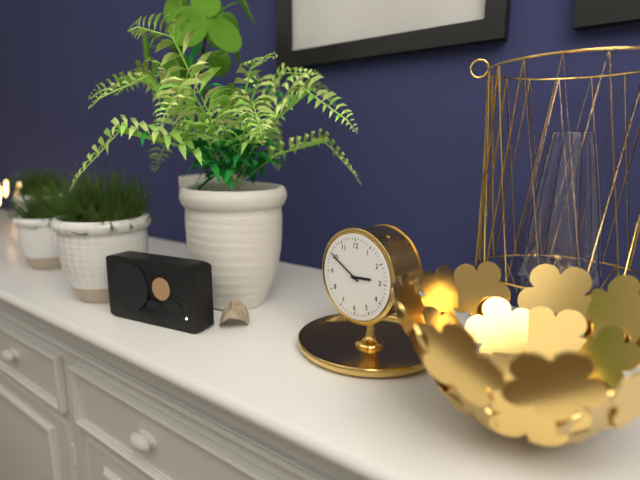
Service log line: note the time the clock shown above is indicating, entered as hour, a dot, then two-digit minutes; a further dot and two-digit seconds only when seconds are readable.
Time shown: 2.50
